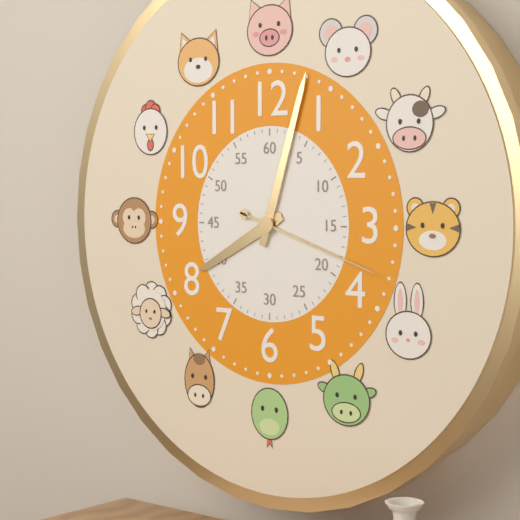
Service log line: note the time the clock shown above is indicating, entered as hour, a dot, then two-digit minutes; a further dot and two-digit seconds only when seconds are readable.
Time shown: 8.03.18
